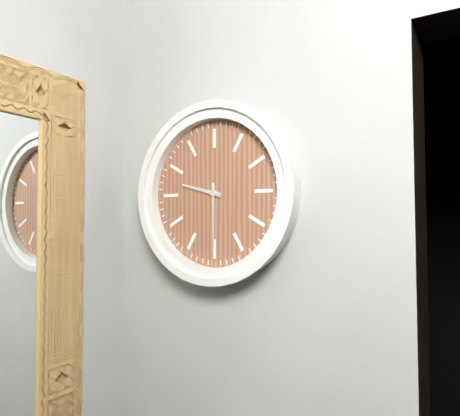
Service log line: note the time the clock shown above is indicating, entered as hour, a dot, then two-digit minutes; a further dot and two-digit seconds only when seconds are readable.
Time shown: 9.30
